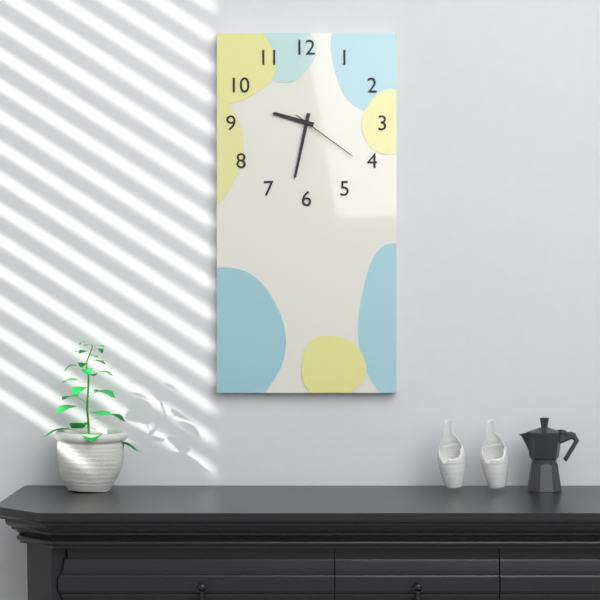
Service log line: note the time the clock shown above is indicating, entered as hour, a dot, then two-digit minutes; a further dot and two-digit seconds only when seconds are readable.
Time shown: 9.32.21
